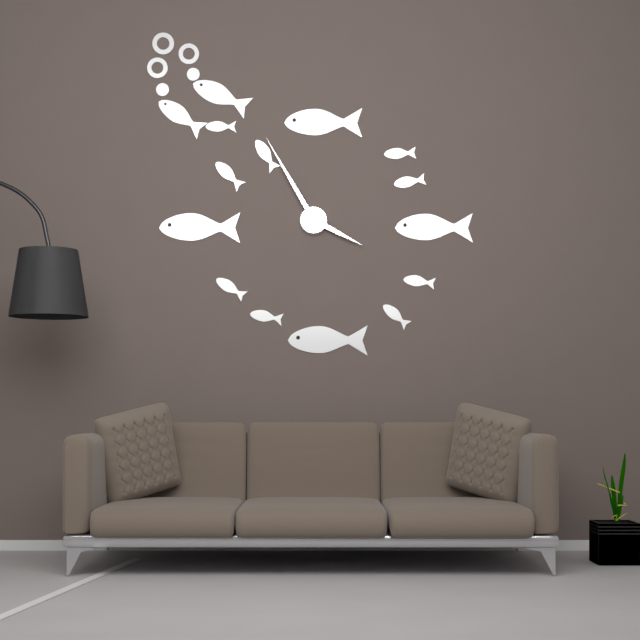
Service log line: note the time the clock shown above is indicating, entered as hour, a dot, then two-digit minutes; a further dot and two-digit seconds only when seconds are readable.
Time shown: 3.55
